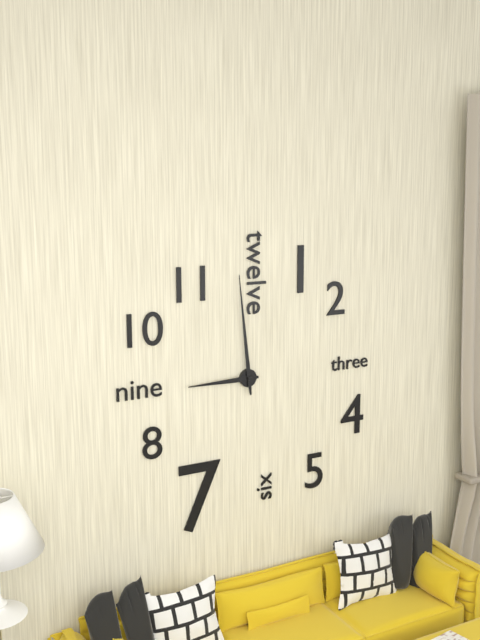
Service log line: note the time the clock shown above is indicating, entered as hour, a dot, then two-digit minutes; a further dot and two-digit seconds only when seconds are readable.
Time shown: 8.59
